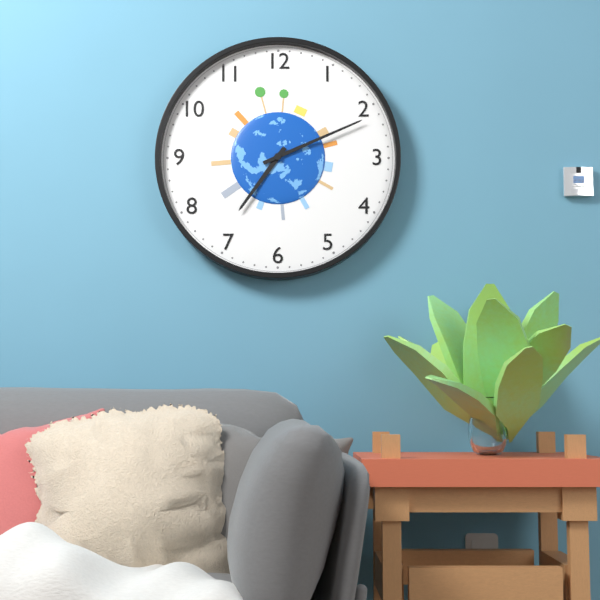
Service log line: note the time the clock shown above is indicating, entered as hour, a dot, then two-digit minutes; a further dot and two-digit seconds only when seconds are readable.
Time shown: 7.11
